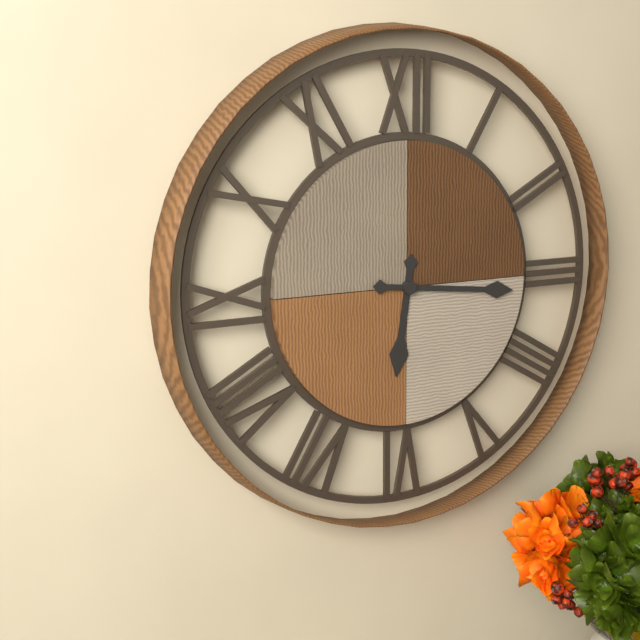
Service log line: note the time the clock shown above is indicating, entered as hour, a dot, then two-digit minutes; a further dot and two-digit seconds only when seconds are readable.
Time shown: 6.16
